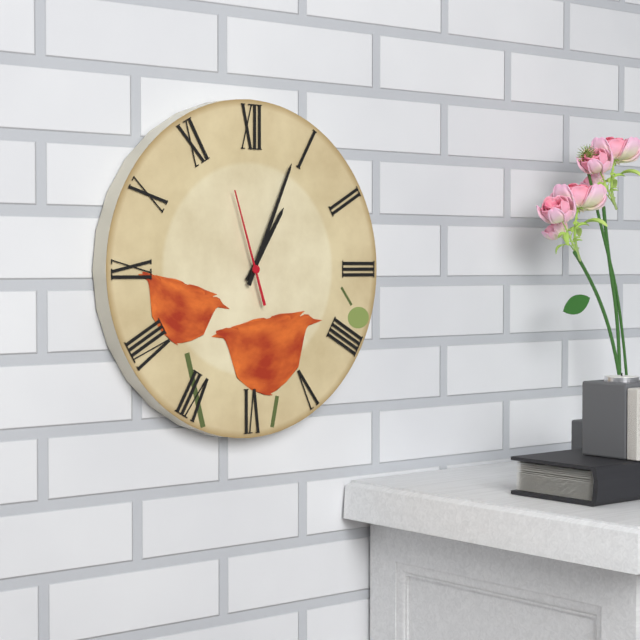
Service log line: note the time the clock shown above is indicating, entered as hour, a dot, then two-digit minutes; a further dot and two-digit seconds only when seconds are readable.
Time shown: 1.04.57
